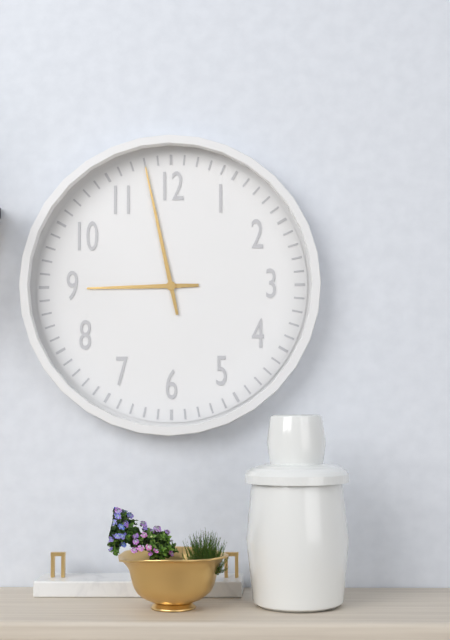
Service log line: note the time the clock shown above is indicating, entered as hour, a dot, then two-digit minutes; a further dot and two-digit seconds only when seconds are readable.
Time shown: 8.58
